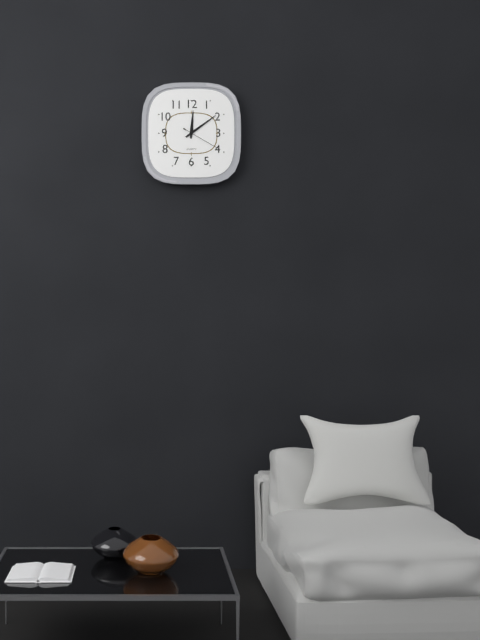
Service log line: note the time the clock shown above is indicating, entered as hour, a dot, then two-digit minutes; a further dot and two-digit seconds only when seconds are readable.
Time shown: 12.09
